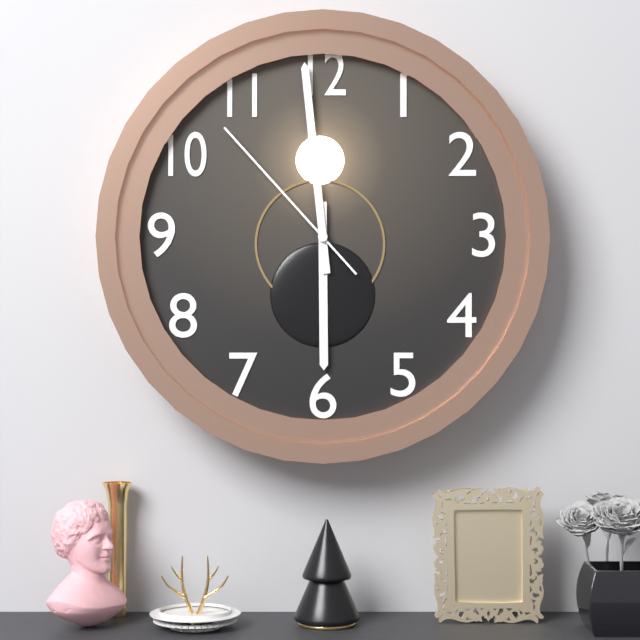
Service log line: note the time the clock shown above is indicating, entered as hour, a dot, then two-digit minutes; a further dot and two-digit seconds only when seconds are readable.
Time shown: 5.59.53
